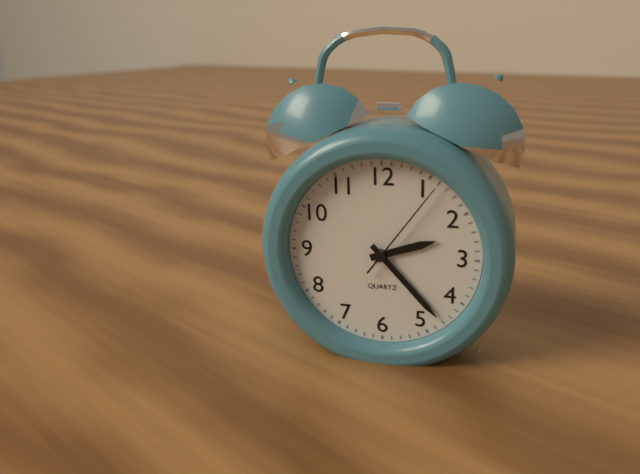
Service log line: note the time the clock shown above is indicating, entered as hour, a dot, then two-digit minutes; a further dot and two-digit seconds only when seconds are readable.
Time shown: 2.23.06
